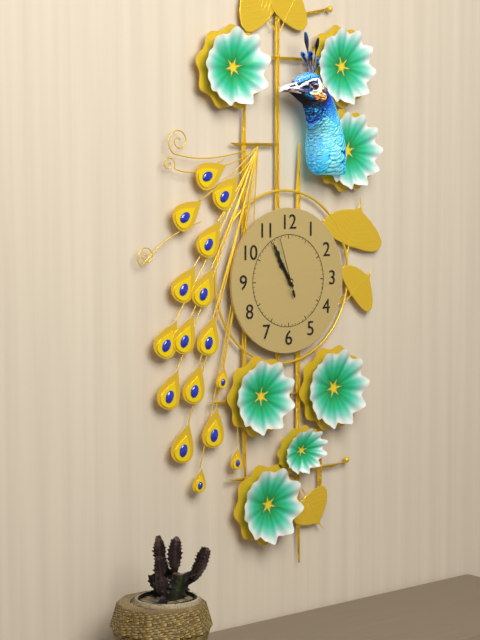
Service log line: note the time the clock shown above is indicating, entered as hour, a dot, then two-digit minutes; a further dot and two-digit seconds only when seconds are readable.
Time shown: 10.55.57
